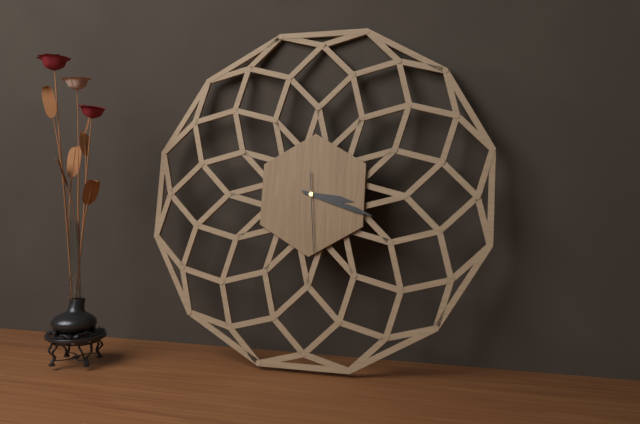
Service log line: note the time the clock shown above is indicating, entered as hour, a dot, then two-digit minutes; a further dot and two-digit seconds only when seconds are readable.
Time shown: 3.18.29
